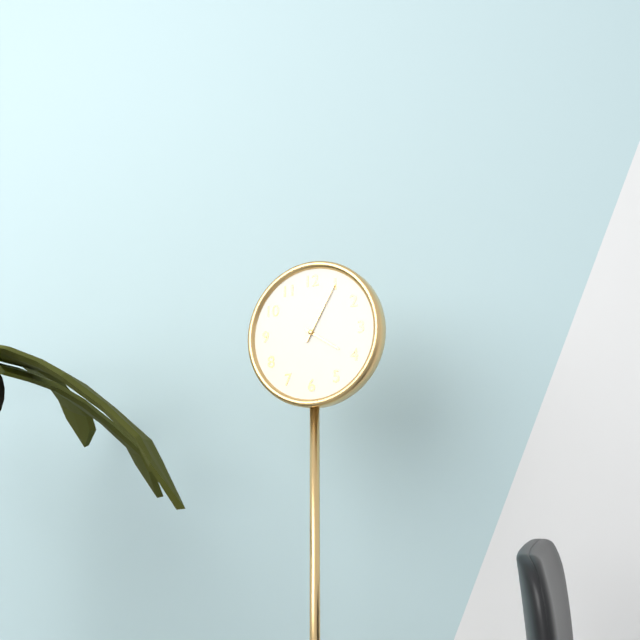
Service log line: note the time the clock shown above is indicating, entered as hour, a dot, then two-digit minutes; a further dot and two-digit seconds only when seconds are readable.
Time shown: 4.05
